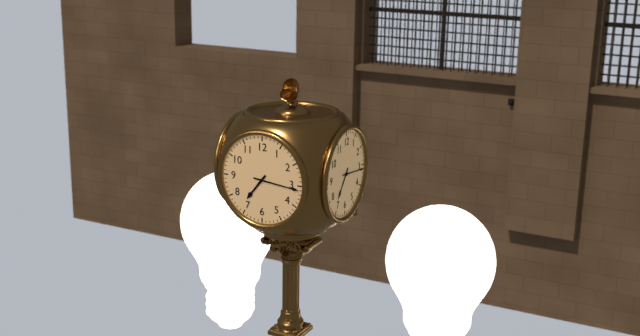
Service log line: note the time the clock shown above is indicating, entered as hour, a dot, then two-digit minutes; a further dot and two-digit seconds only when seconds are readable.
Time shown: 7.16
